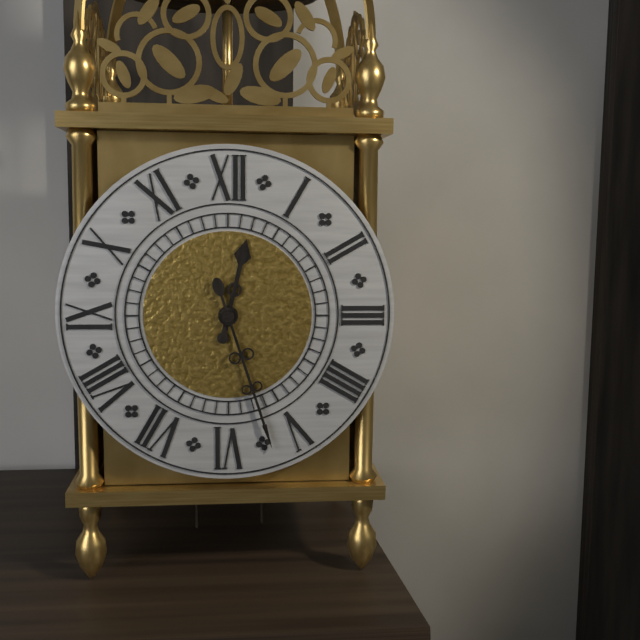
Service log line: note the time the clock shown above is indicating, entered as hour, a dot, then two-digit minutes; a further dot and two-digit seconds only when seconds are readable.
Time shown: 12.27
